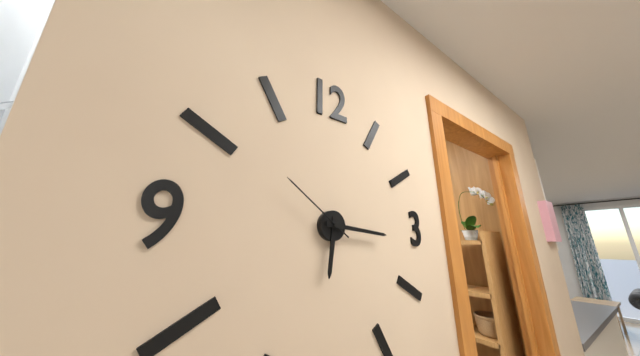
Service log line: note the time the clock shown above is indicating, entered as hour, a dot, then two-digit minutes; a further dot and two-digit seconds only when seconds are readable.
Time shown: 6.16.51
